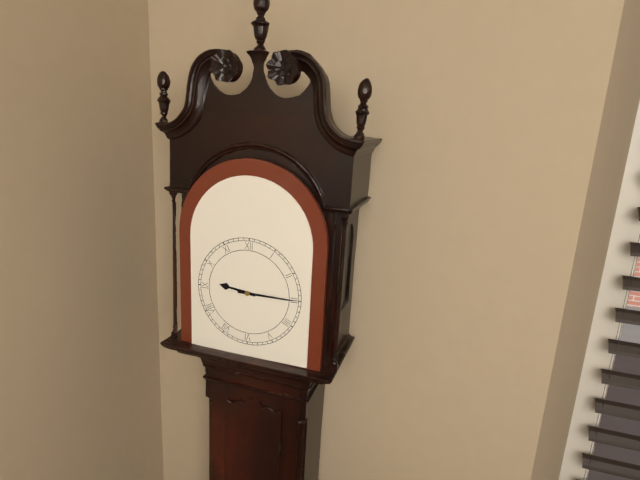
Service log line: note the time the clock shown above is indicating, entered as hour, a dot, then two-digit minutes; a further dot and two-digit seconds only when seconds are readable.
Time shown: 9.15
